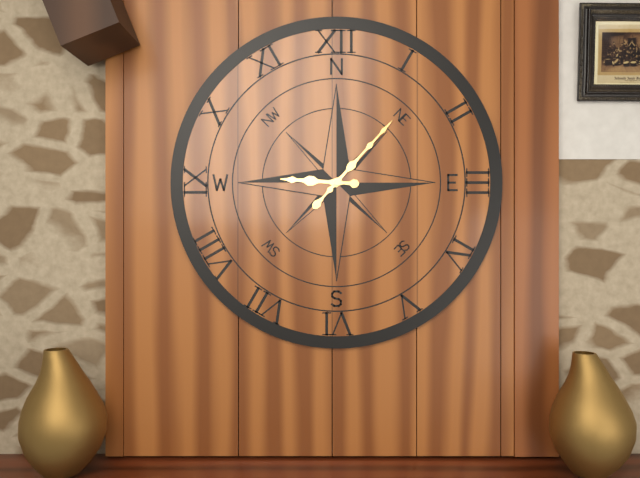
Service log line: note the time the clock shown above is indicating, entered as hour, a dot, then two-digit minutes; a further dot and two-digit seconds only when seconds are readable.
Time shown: 9.07
